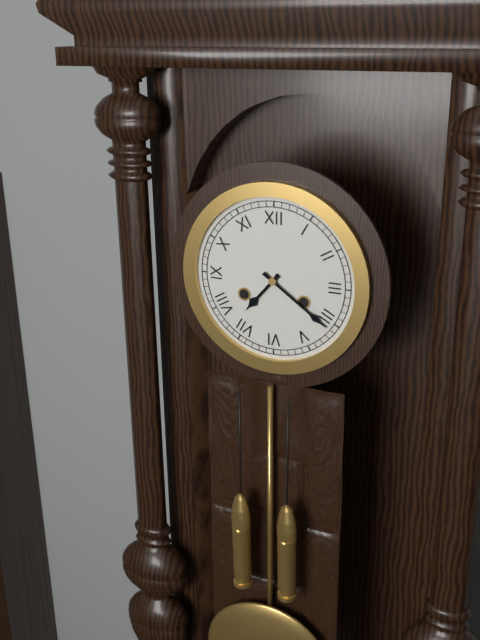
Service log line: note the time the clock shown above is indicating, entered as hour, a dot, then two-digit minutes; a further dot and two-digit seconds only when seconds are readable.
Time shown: 7.21
